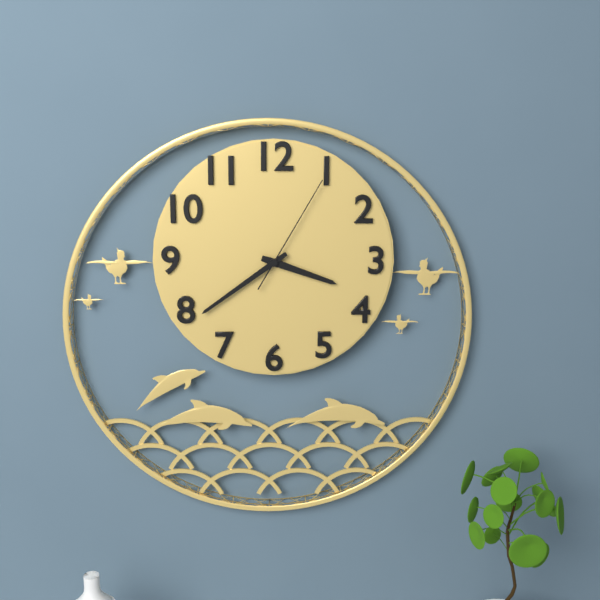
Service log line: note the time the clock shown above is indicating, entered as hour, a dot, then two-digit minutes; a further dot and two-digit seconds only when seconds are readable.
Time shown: 3.39.05
